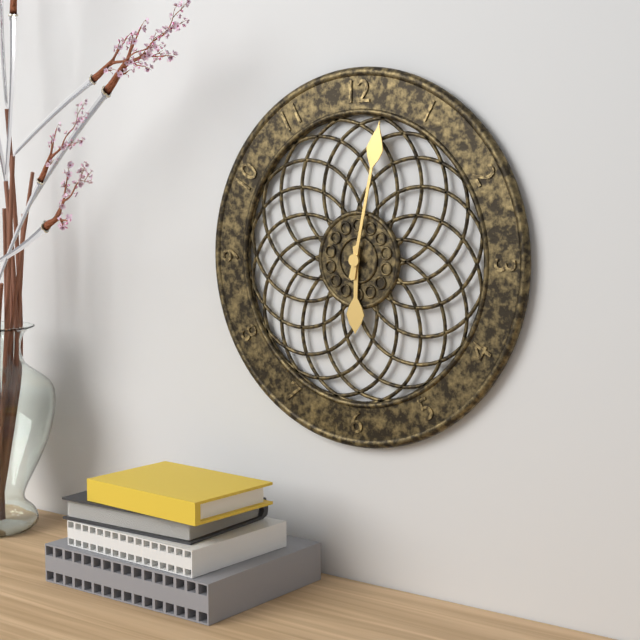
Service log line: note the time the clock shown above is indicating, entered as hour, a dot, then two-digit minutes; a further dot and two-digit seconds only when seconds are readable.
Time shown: 6.02
